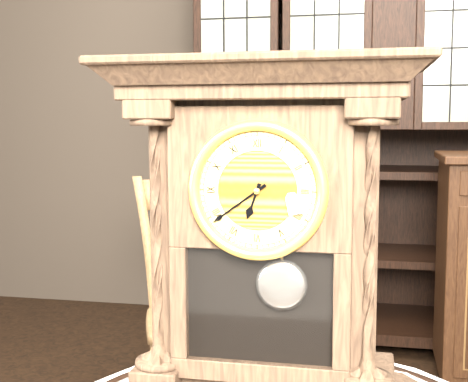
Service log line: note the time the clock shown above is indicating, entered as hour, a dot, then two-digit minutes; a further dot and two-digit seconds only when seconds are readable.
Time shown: 6.39
